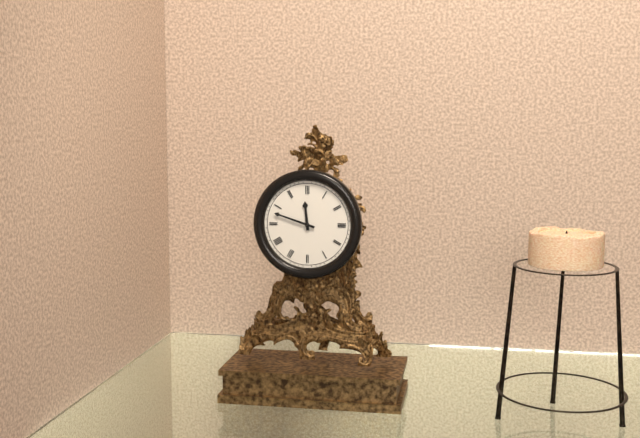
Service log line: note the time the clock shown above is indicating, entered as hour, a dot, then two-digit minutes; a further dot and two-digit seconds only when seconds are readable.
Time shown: 11.48
